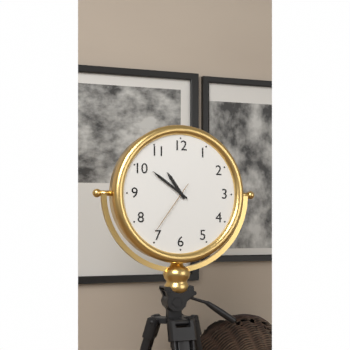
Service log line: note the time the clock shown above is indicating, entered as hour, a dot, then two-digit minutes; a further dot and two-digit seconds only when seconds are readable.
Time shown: 10.51.36
